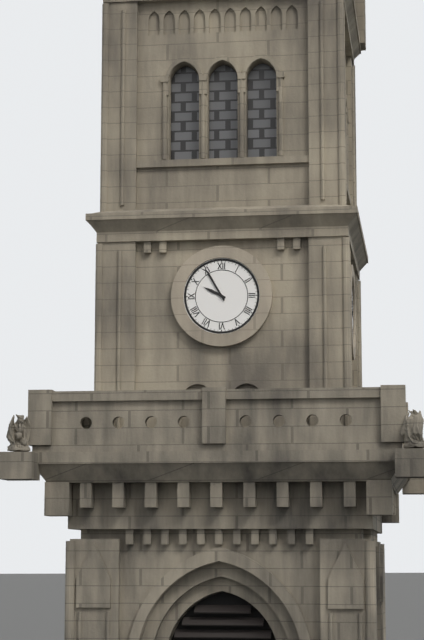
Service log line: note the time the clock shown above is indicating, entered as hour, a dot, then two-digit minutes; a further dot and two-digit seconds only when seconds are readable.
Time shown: 9.55
